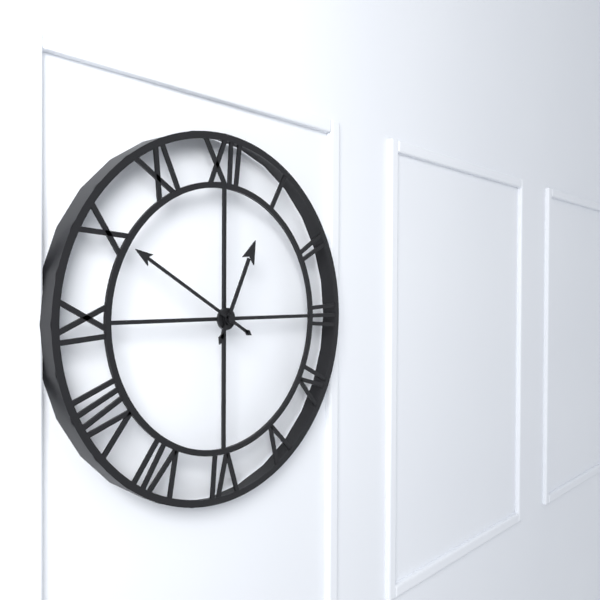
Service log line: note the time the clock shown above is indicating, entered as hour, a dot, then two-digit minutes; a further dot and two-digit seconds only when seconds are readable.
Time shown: 12.50
